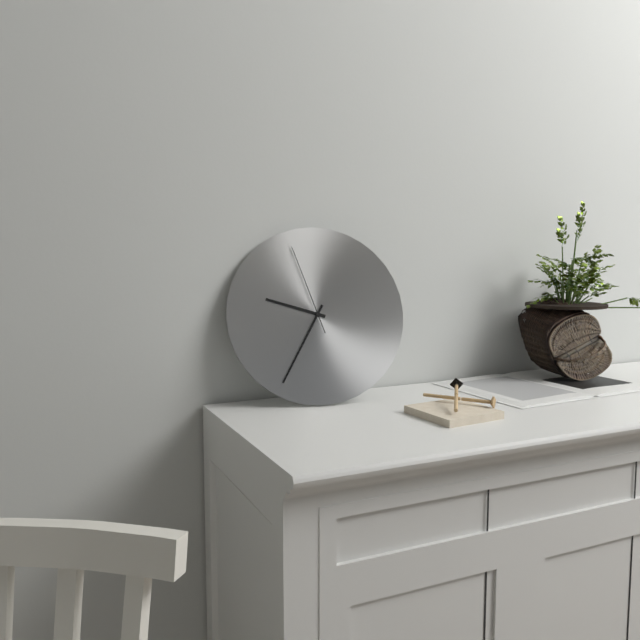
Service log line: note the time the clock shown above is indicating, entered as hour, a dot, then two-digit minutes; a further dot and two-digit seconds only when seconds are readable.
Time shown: 9.35.57
